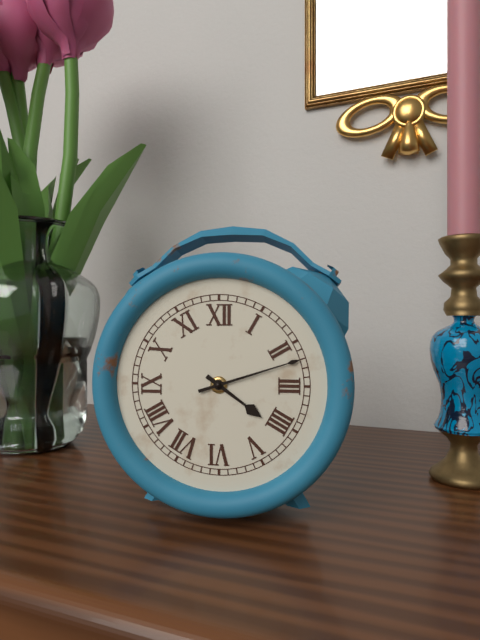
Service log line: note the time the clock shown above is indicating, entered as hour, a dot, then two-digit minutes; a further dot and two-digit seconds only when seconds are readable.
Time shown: 4.12
